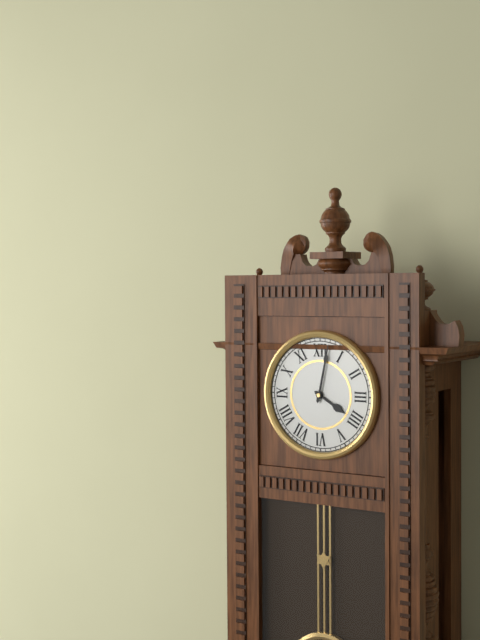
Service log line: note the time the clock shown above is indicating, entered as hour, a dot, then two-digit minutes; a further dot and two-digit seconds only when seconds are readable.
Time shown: 4.02
